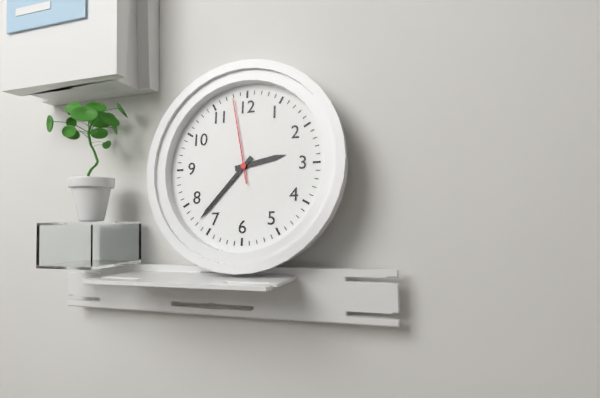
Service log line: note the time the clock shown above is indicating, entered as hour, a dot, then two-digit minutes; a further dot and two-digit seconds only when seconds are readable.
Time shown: 2.37.58
